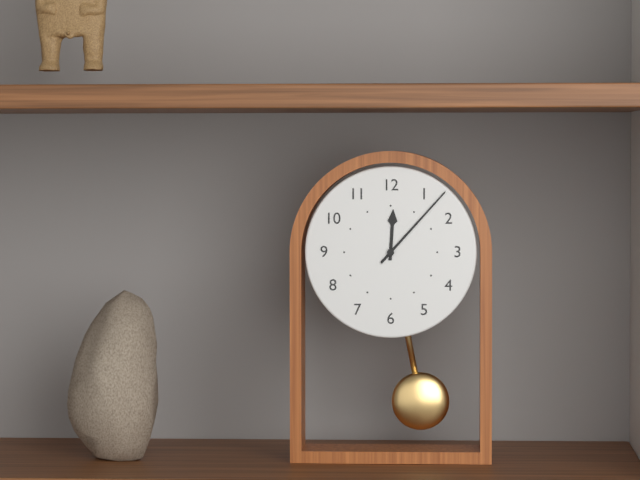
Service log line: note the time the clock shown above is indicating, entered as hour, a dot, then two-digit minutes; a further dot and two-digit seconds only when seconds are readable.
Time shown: 12.07
